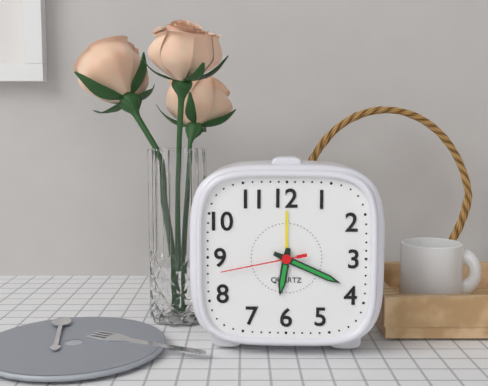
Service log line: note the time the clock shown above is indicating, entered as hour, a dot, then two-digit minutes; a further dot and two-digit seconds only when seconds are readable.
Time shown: 6.19.43
